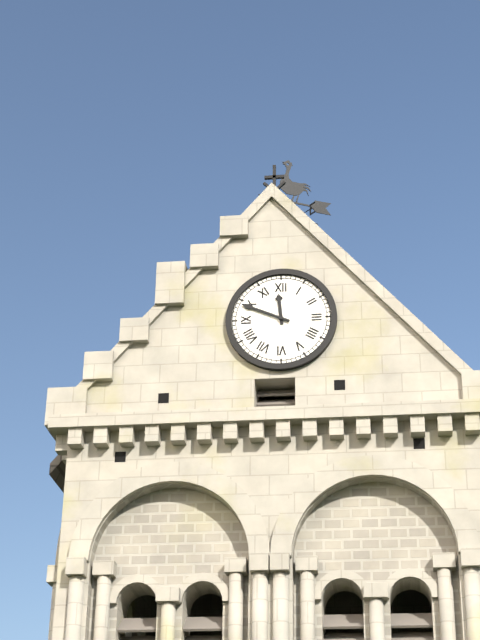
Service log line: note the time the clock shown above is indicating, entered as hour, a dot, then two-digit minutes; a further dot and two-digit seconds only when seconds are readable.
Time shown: 11.49
